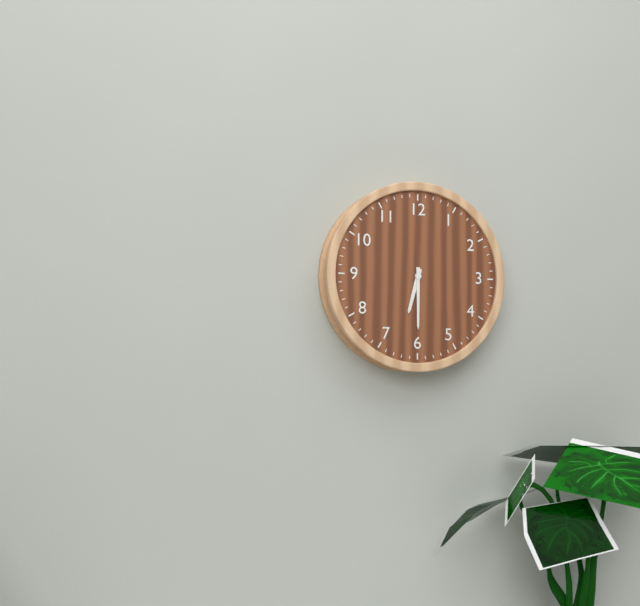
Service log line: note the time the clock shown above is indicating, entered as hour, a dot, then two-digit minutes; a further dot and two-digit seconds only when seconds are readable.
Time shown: 6.30
